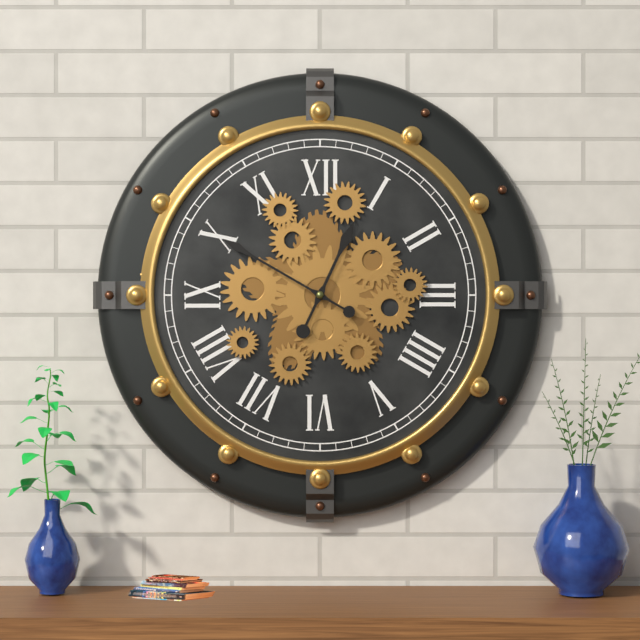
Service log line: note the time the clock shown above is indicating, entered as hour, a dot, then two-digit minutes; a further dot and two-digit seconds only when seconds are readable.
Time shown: 12.50
